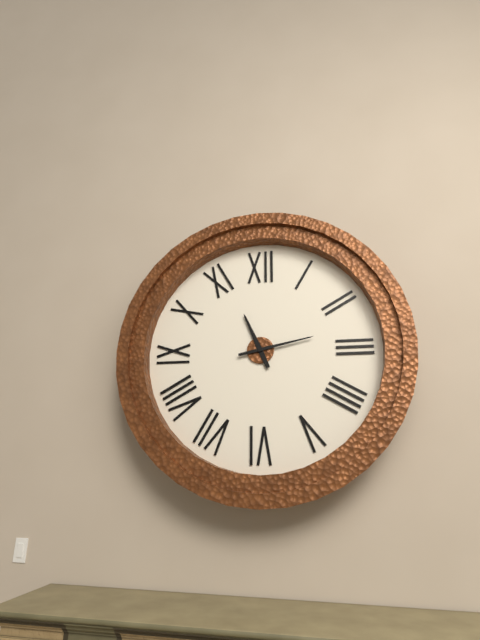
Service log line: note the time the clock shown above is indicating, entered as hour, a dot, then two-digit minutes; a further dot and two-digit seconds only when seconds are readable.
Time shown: 11.13
